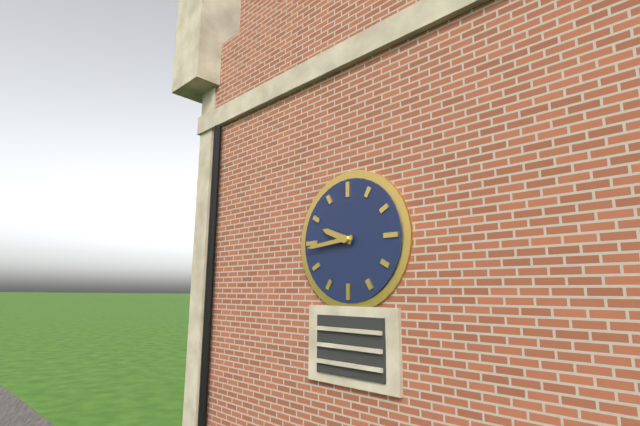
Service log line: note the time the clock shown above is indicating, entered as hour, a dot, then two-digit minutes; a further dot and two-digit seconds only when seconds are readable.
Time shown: 9.44
